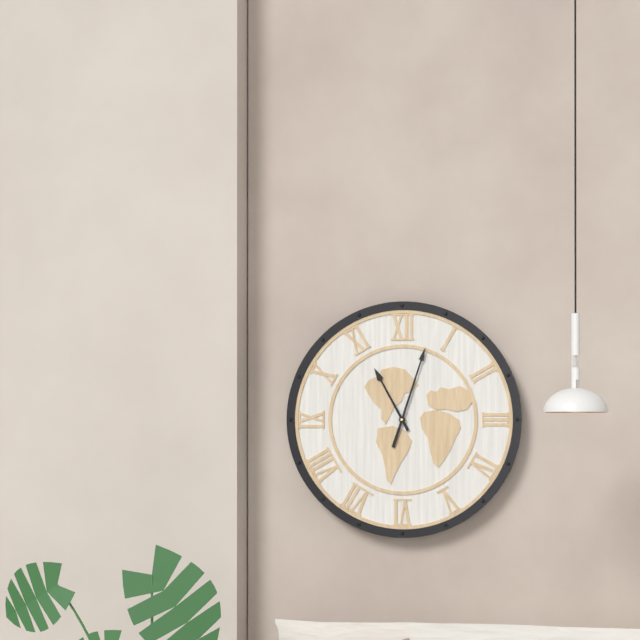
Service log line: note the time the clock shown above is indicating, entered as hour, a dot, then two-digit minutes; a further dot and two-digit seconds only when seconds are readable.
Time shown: 11.03
